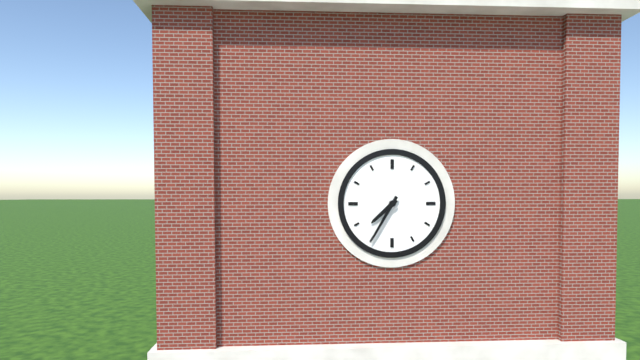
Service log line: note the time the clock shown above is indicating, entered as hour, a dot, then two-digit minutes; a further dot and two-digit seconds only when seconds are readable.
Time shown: 7.35
